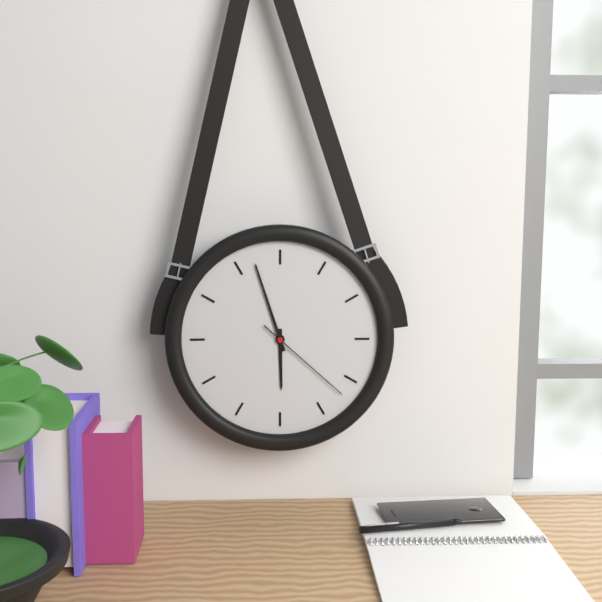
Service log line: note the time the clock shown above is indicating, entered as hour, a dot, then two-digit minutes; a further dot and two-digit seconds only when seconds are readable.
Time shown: 5.57.22
